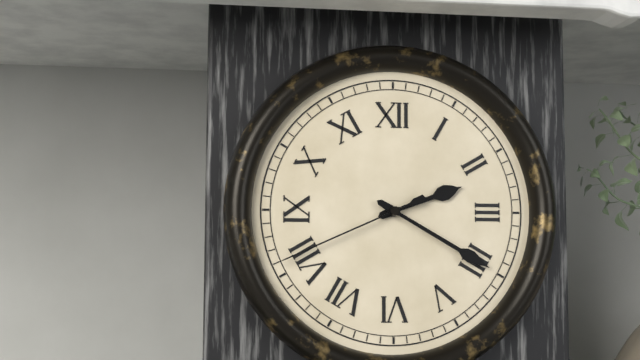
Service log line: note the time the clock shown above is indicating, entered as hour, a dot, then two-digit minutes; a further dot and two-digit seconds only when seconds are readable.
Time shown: 2.20.41
